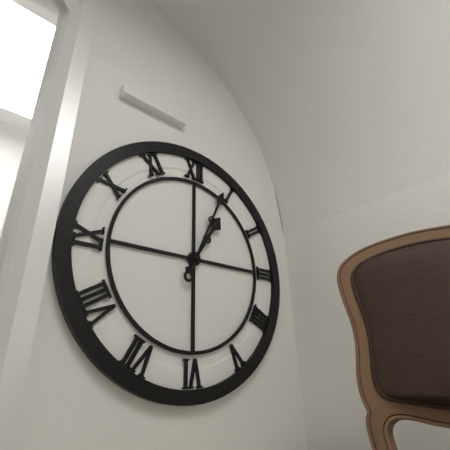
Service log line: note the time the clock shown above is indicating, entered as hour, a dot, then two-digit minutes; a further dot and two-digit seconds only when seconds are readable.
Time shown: 1.04
